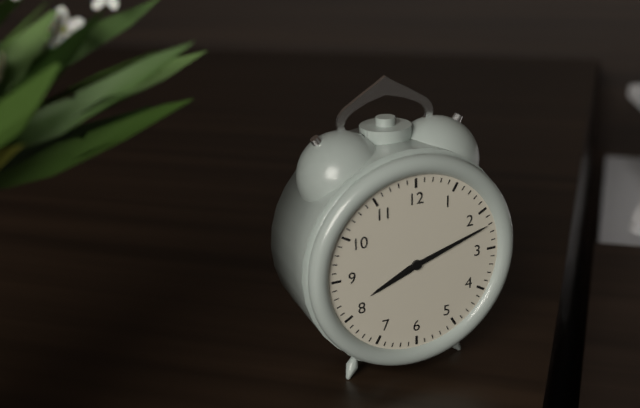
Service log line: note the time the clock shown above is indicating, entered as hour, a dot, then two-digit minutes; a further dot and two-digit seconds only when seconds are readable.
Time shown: 8.12
